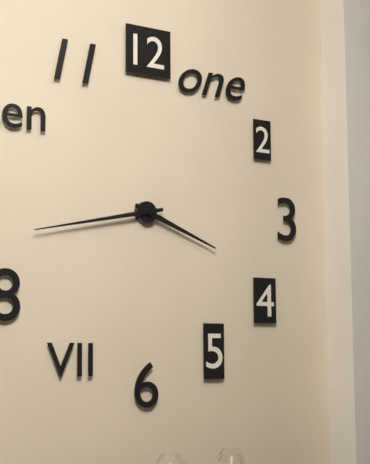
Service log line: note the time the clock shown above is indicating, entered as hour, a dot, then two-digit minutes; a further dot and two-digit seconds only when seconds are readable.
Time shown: 3.43
